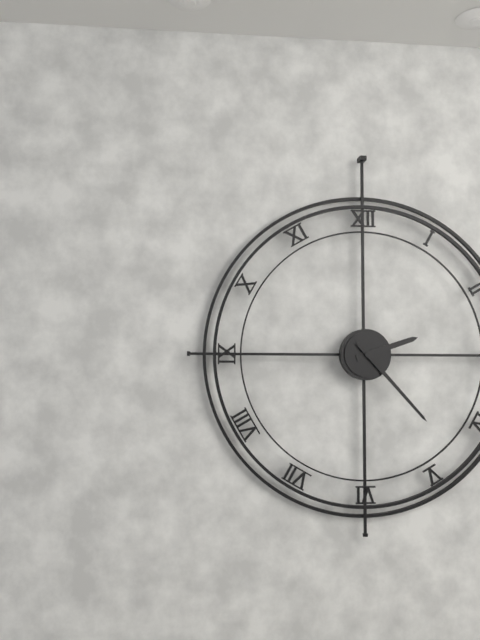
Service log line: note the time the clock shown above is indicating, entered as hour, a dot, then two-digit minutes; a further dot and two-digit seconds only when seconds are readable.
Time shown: 2.23
